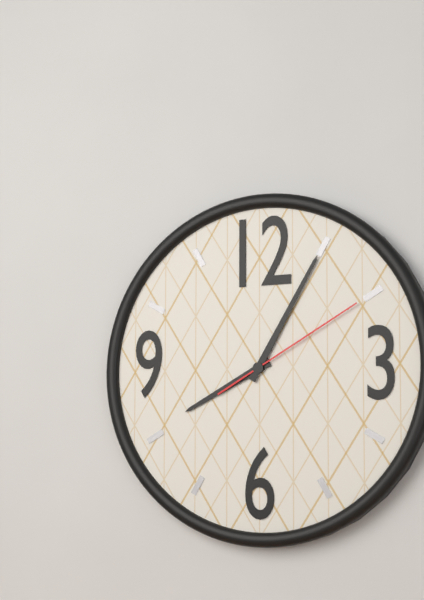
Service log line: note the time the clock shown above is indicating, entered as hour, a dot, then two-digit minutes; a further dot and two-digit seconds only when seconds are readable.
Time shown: 8.05.10
